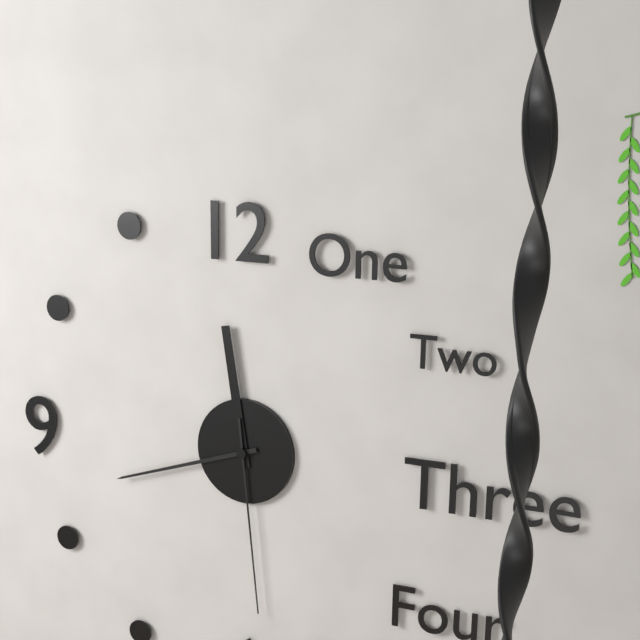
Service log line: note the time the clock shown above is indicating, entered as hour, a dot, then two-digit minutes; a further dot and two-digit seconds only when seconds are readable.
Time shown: 11.42.29
